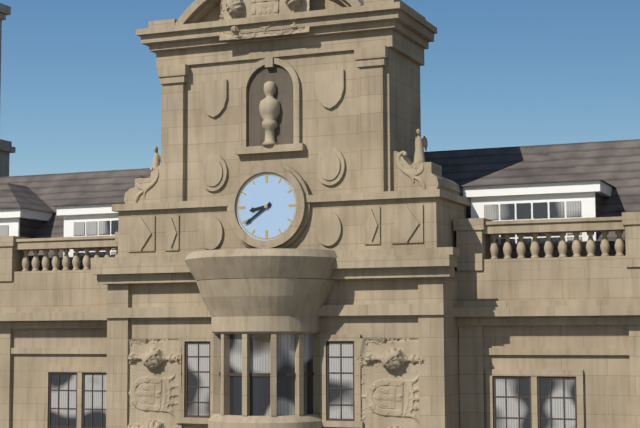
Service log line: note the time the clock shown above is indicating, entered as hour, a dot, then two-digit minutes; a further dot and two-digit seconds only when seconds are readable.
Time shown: 8.39
